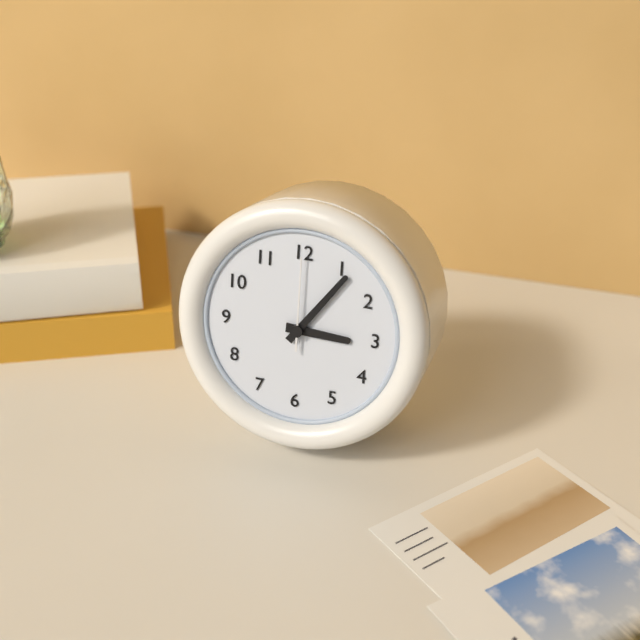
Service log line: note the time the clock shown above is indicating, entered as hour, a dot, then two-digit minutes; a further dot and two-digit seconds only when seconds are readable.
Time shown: 3.06.00
